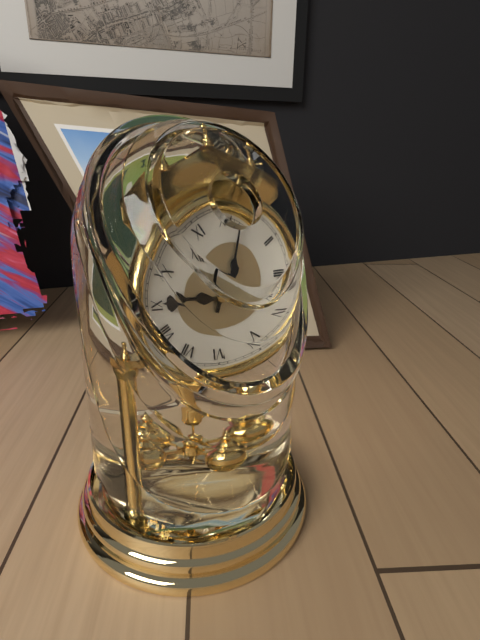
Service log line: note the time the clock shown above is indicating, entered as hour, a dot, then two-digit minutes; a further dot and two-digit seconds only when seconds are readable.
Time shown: 9.03
